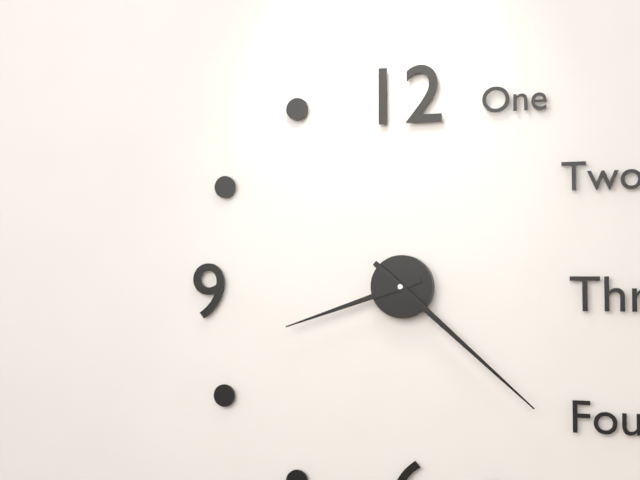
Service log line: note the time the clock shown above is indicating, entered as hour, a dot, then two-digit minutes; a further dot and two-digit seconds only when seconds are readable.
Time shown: 8.22
